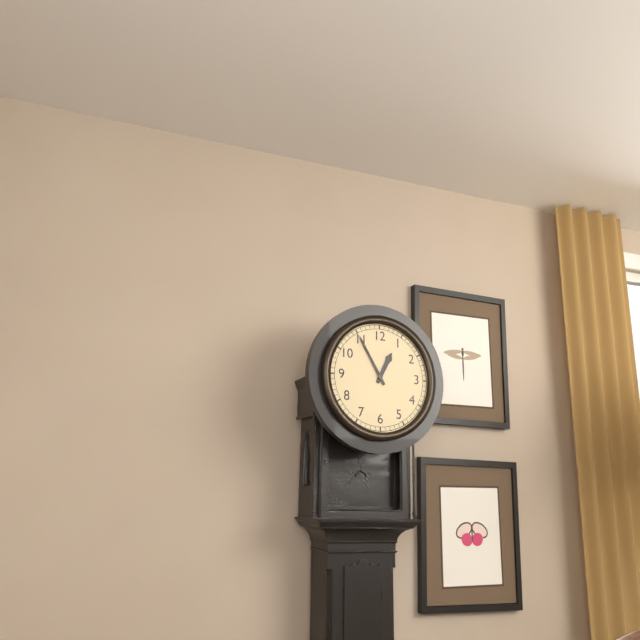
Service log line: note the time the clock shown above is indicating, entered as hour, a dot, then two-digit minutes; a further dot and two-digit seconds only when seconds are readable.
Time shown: 12.55
